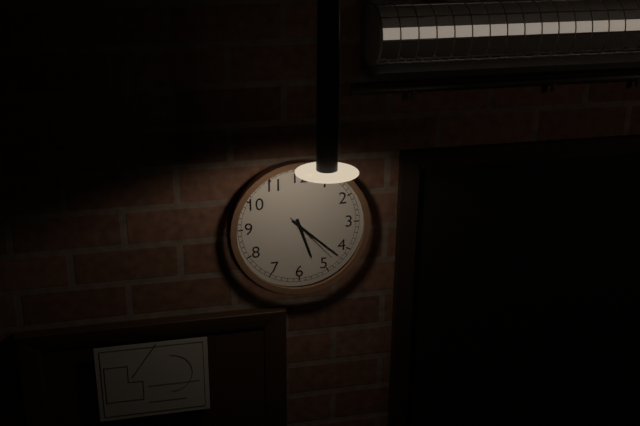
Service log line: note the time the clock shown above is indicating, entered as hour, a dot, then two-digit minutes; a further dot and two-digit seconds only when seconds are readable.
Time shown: 5.22.23
